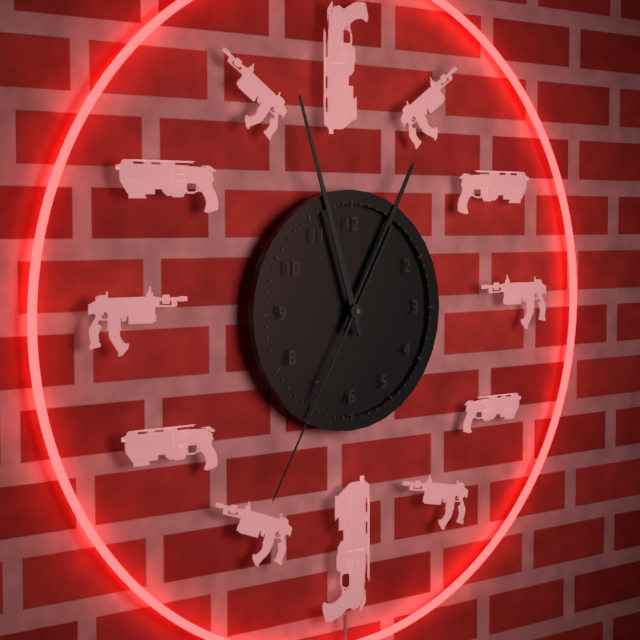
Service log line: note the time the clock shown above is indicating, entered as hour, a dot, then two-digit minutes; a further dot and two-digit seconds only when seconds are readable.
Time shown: 12.57.35
